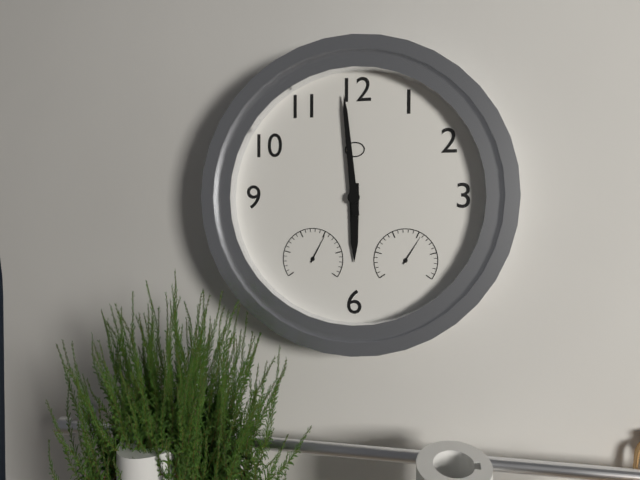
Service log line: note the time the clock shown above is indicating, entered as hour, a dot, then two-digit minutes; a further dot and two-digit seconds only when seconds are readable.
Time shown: 5.59
